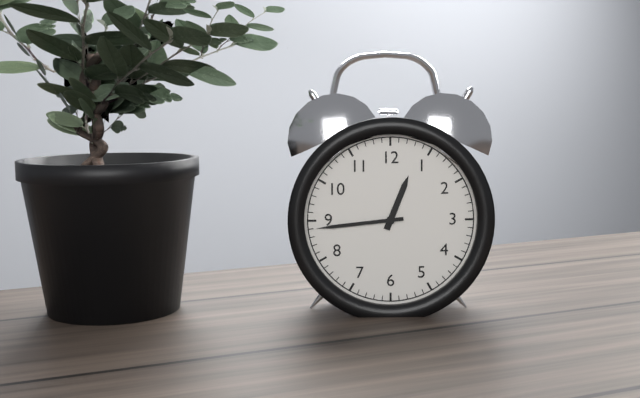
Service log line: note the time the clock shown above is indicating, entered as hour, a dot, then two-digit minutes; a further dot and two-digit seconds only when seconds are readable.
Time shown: 12.44
